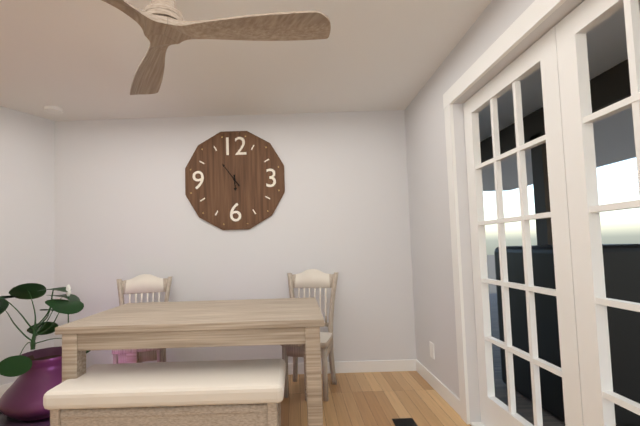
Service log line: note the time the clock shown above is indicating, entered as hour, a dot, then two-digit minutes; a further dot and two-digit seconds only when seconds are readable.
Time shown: 5.54
